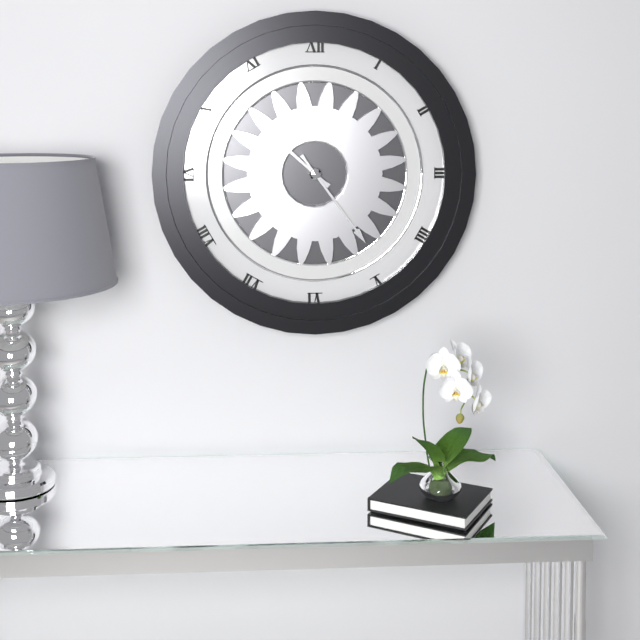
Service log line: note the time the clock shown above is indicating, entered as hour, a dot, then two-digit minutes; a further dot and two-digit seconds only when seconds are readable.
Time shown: 10.24
